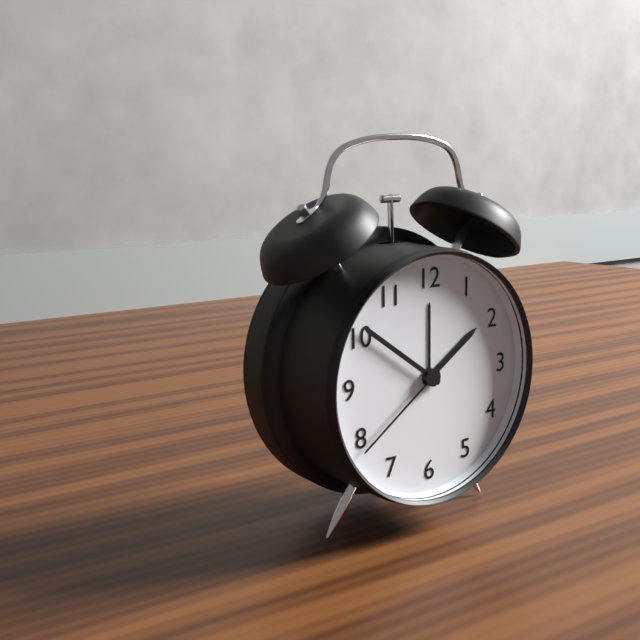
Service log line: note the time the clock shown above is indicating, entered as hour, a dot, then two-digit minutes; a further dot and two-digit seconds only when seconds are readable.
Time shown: 1.51.39
